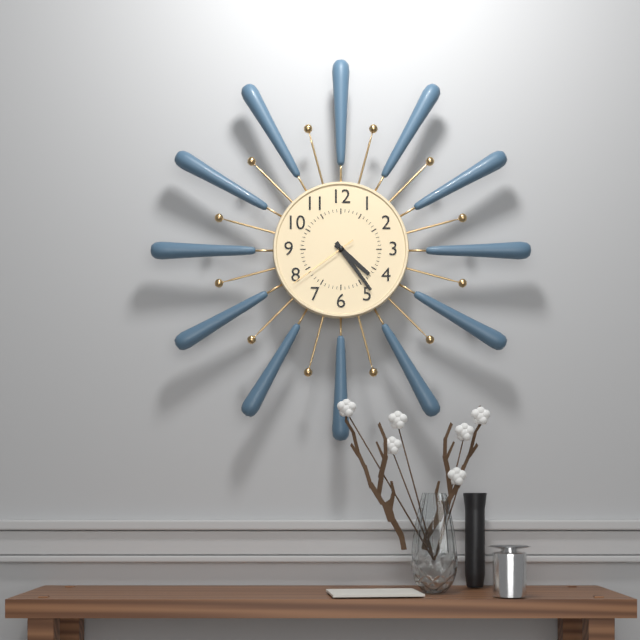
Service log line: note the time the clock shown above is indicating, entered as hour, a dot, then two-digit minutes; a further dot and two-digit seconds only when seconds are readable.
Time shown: 4.24.39
